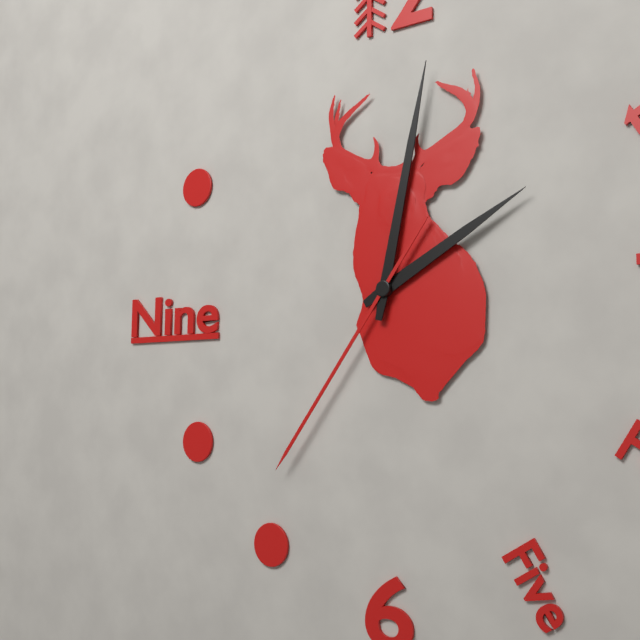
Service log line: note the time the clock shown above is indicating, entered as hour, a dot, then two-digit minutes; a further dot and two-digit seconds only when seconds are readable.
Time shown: 2.02.36
